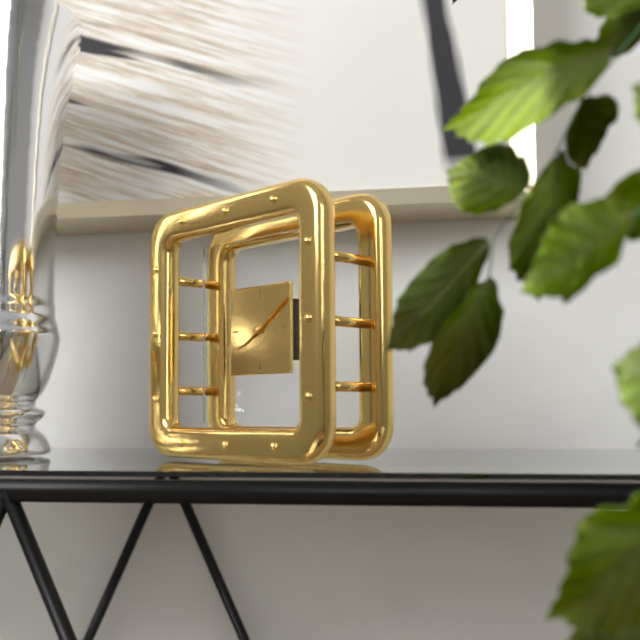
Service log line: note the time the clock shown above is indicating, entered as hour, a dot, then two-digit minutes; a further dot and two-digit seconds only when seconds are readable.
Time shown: 8.09
